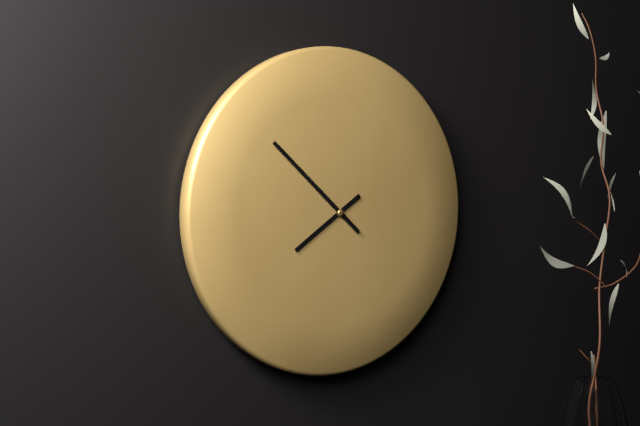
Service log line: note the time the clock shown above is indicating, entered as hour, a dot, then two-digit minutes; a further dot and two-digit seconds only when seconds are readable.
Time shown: 7.52
